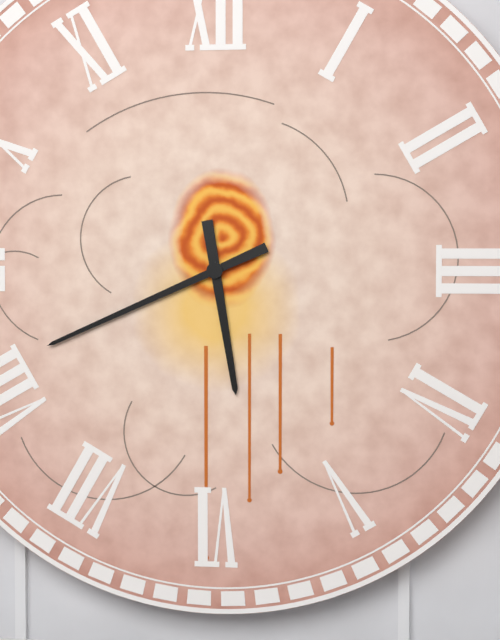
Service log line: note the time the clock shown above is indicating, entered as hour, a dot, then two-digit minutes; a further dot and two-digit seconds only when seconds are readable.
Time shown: 5.41
